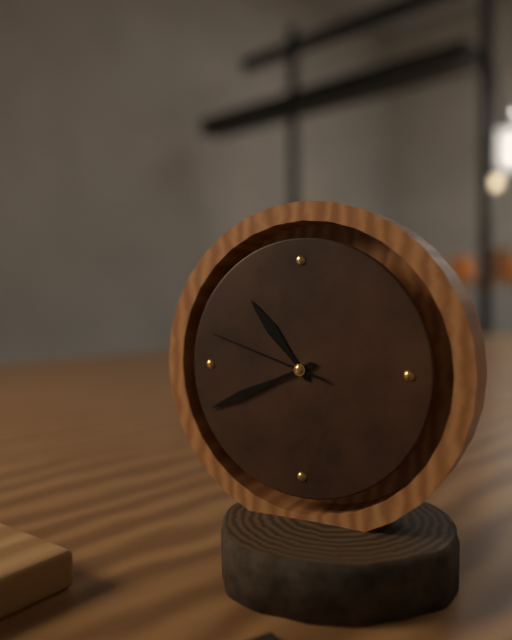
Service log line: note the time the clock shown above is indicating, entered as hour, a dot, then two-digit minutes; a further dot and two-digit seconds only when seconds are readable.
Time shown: 10.41.48
